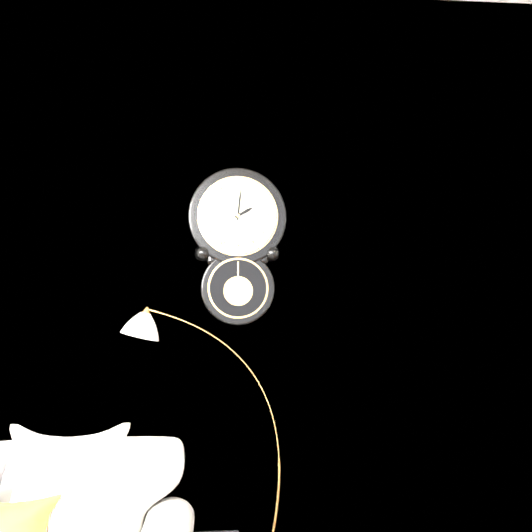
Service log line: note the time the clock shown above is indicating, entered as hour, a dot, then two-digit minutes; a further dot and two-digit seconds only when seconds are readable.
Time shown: 2.01
